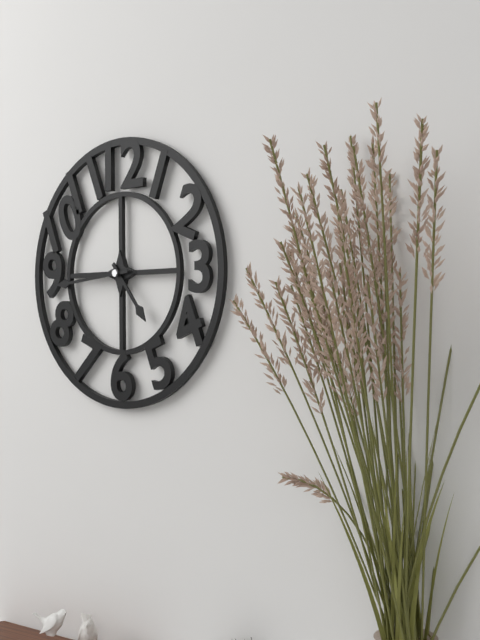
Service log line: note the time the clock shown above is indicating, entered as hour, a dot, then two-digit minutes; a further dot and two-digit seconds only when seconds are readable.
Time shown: 4.44
